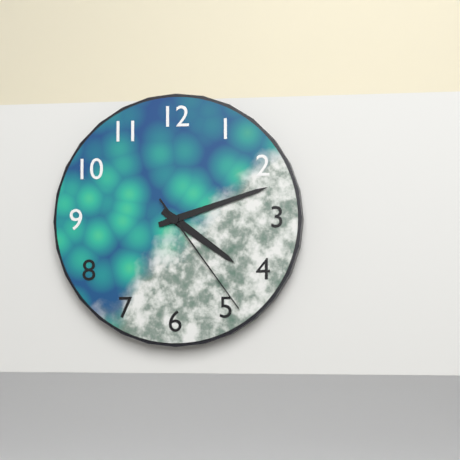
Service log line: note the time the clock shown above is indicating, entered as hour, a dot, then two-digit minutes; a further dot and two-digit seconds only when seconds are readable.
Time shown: 4.12.24
